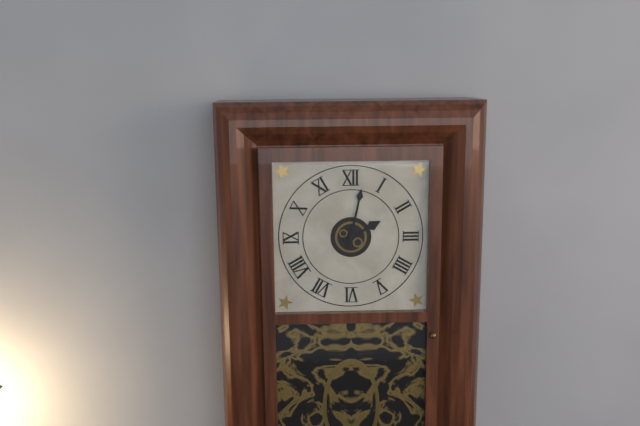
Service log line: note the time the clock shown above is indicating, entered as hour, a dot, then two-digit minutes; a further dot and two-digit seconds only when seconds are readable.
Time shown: 2.02
